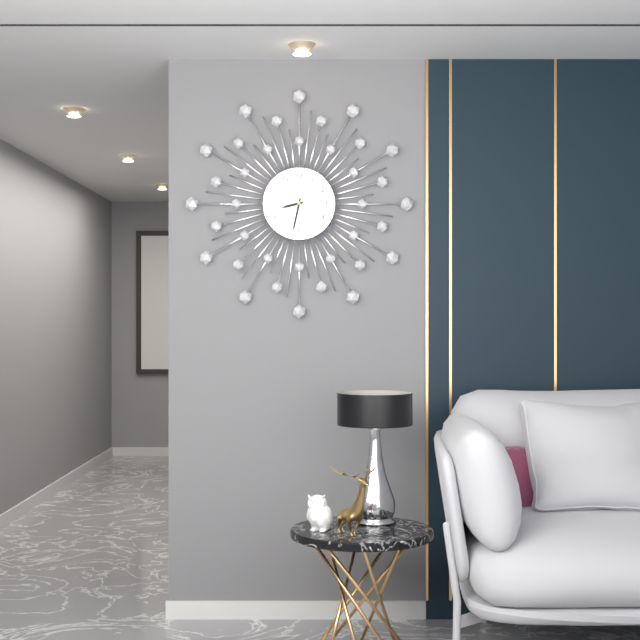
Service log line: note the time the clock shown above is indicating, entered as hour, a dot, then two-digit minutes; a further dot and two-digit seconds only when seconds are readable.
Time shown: 8.32
